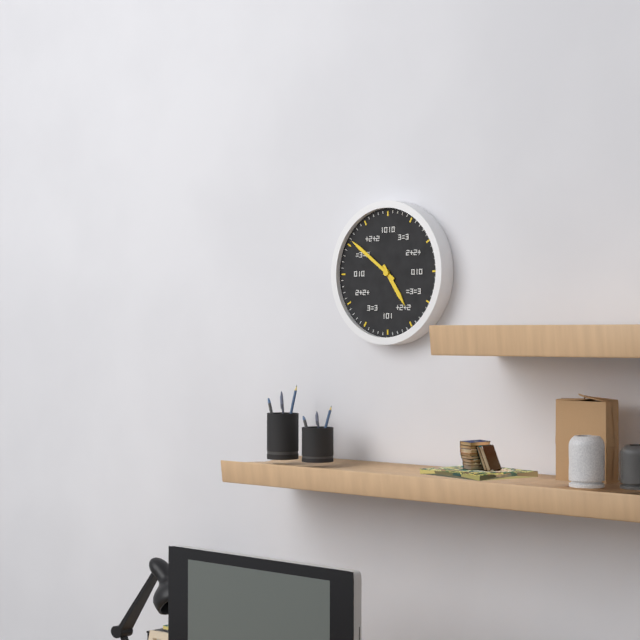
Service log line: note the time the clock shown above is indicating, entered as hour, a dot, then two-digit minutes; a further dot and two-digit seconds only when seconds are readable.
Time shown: 4.51
